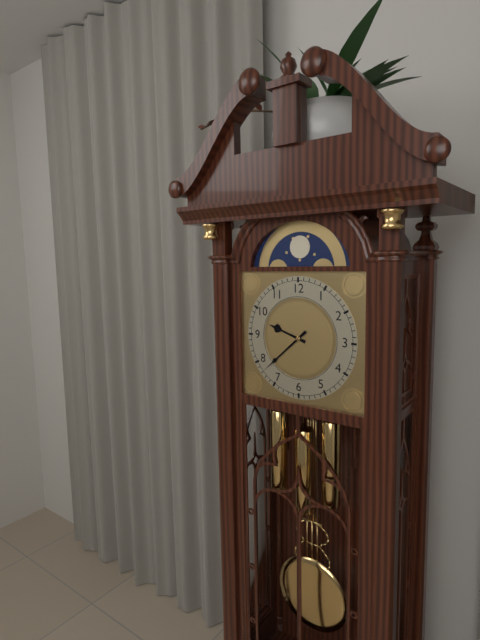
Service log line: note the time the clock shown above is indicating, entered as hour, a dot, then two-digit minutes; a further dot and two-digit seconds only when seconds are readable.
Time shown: 9.38
